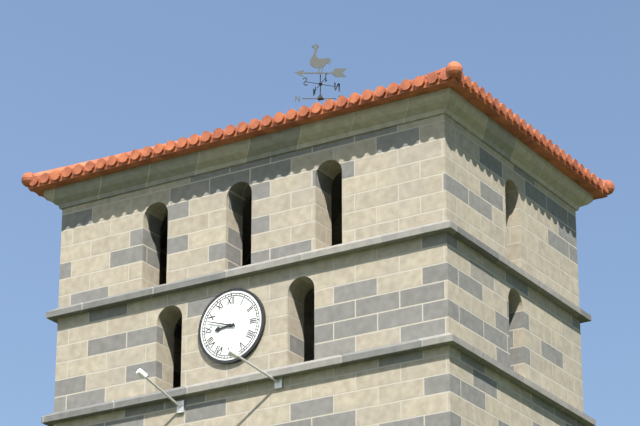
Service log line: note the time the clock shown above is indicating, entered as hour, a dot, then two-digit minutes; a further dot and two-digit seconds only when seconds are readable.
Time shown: 8.48
